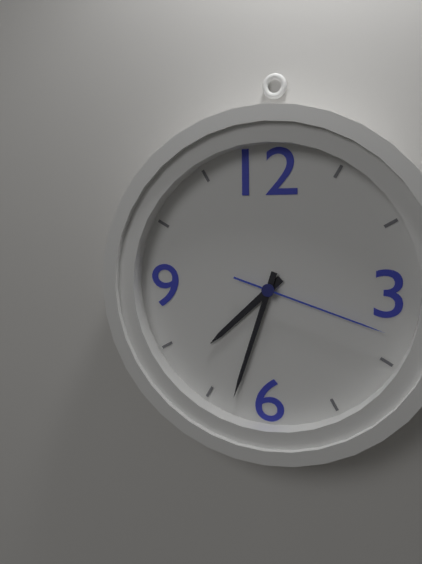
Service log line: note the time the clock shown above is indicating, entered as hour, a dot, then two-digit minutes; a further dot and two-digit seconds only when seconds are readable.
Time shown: 7.33.18
